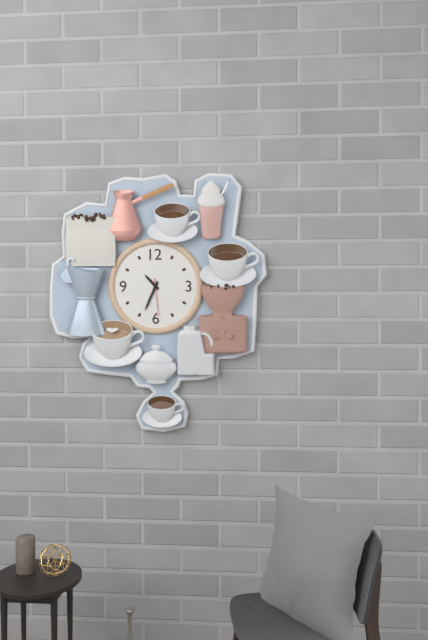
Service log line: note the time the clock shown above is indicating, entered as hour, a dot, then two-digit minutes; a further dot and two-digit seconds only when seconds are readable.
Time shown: 10.34
